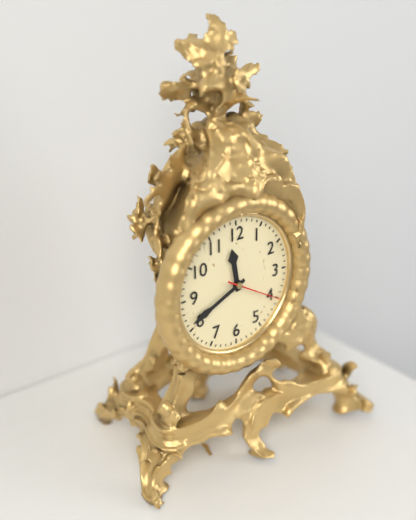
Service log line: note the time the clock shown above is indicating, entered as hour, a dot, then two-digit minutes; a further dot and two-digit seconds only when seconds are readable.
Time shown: 11.41.20
